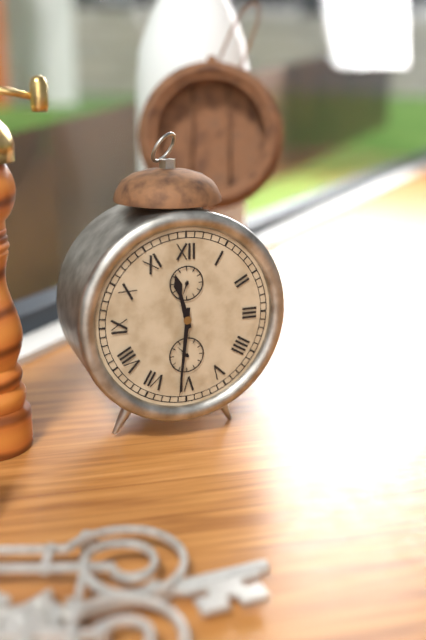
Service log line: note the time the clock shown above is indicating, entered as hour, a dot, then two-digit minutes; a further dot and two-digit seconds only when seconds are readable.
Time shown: 11.31
